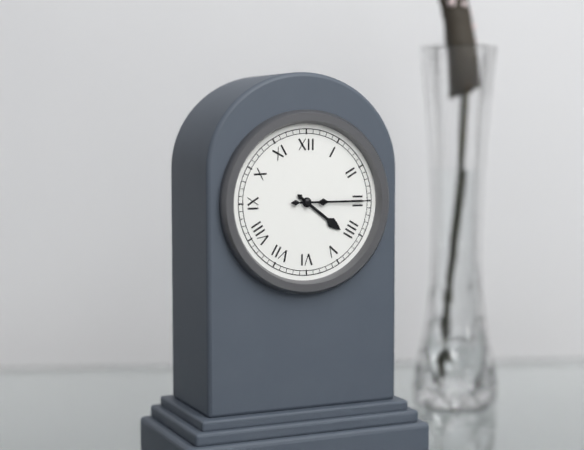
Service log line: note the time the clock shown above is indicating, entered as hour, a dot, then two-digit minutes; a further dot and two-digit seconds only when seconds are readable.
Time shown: 4.15
